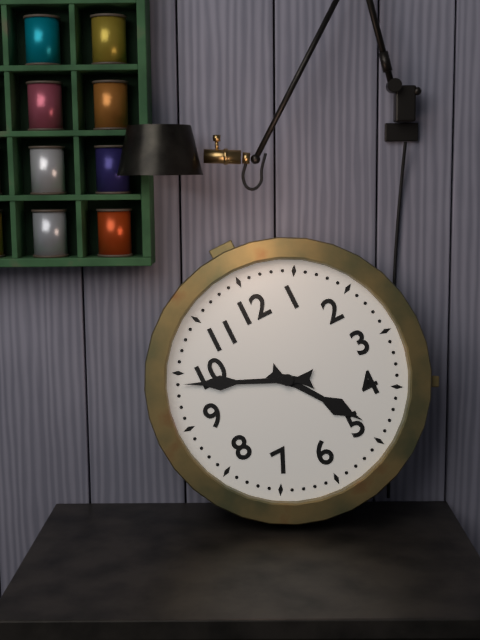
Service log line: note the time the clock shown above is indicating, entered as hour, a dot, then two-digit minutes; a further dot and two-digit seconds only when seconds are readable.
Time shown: 4.49
